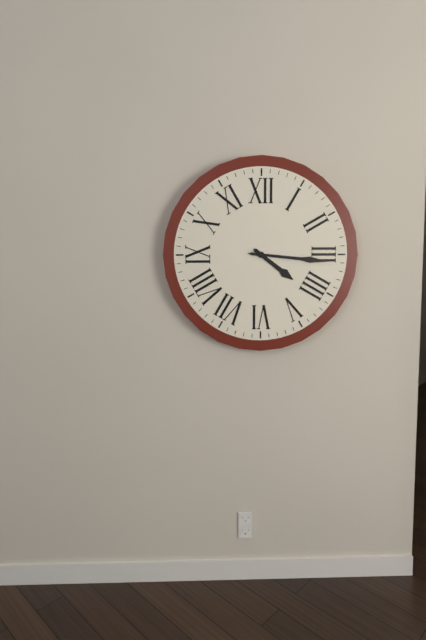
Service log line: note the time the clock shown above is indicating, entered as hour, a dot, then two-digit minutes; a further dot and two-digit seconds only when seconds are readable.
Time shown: 4.16
